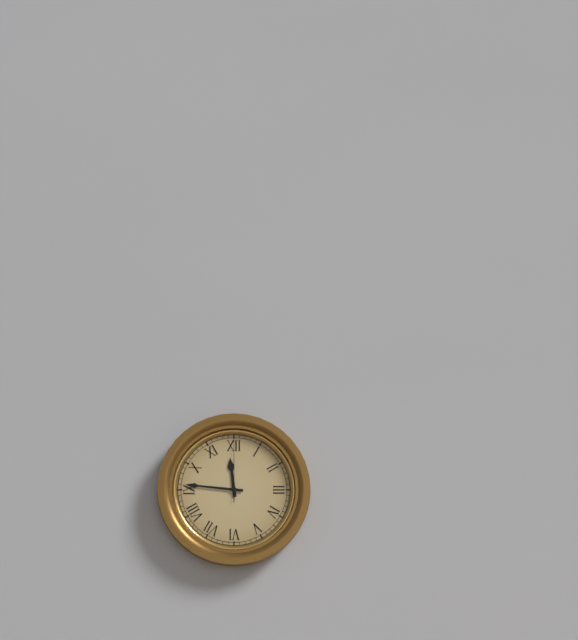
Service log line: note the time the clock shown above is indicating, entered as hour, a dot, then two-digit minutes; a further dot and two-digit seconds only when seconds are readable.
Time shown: 11.46.00
